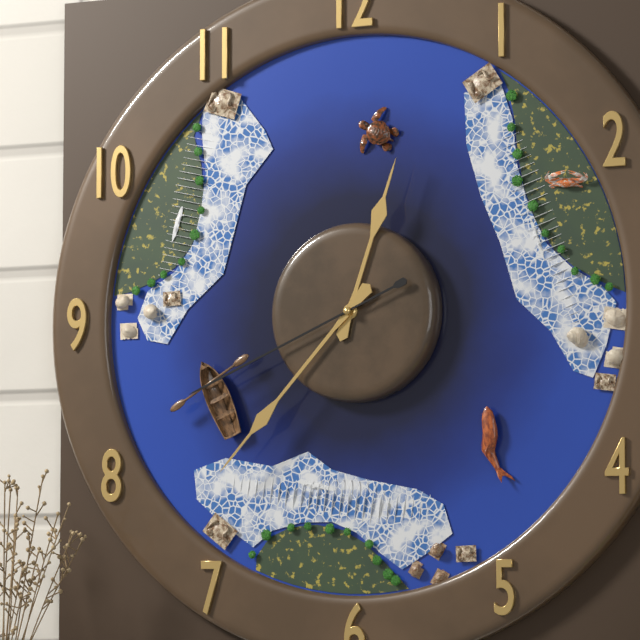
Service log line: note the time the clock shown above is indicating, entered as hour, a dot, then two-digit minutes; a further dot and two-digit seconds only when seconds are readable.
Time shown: 12.37.41
